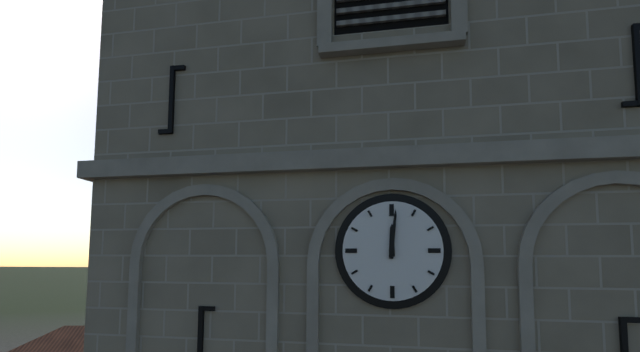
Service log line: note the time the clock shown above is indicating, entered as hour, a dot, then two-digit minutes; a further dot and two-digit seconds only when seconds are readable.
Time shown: 12.01
